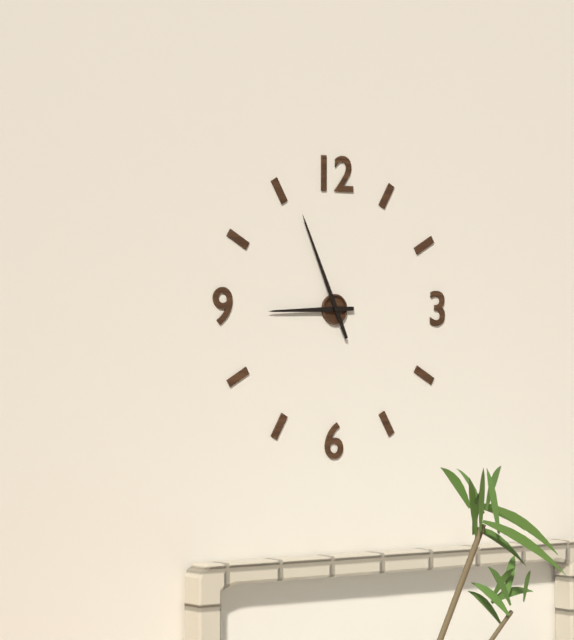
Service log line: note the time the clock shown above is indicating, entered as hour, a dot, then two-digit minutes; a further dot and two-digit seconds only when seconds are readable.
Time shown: 8.56
